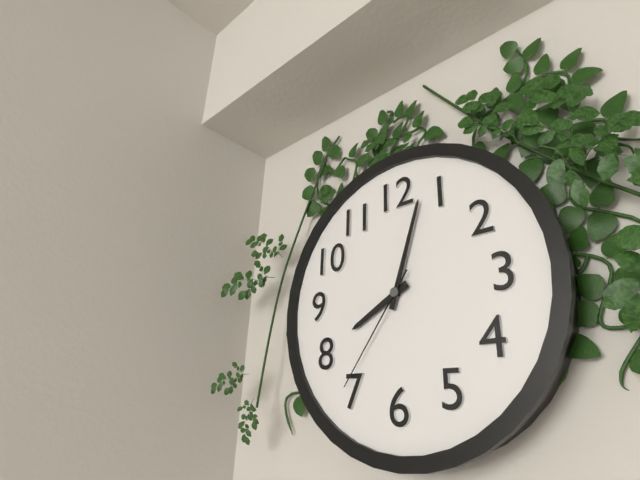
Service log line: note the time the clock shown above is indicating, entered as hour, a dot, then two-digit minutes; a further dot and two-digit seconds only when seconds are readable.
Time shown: 8.03.36
